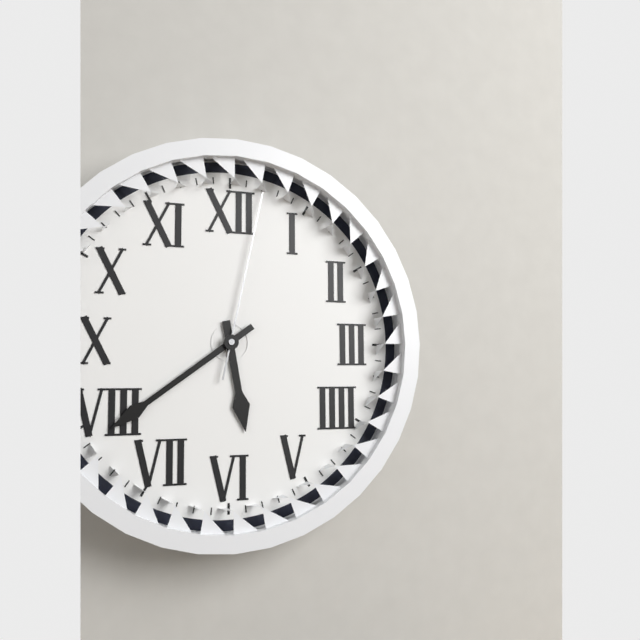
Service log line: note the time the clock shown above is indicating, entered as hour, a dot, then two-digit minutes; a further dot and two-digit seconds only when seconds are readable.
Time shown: 5.39.02
